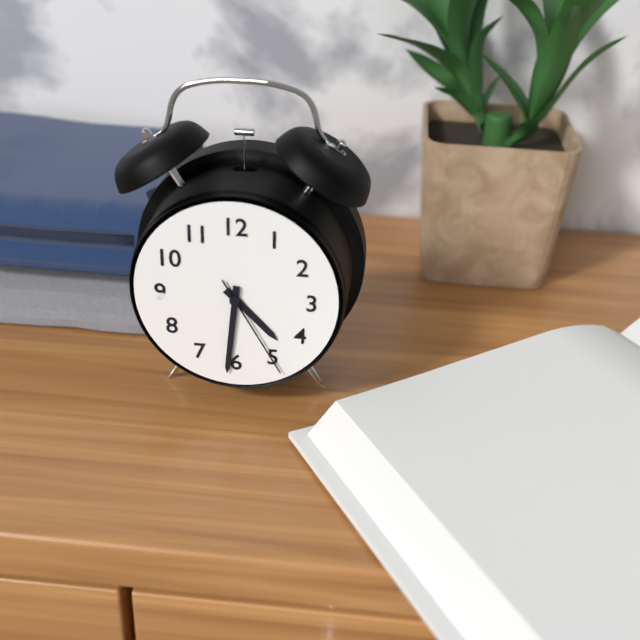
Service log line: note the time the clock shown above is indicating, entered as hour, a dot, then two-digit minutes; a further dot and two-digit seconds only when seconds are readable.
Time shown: 4.31.25
